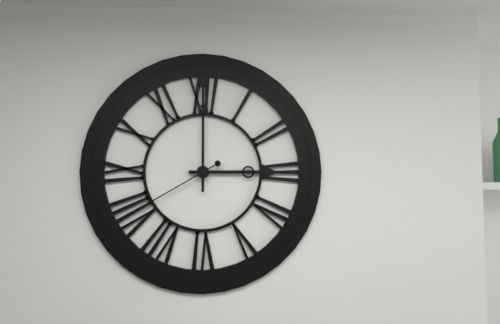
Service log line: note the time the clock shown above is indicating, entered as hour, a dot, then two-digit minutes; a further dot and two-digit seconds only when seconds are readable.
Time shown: 3.00.40
